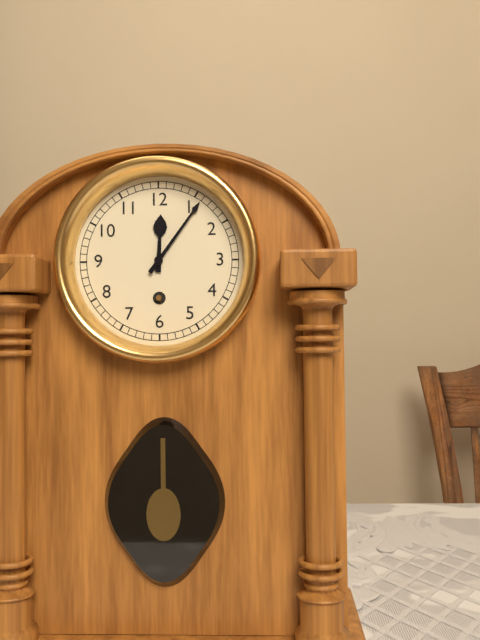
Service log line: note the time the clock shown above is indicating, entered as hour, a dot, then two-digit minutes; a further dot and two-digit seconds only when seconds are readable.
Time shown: 12.06
